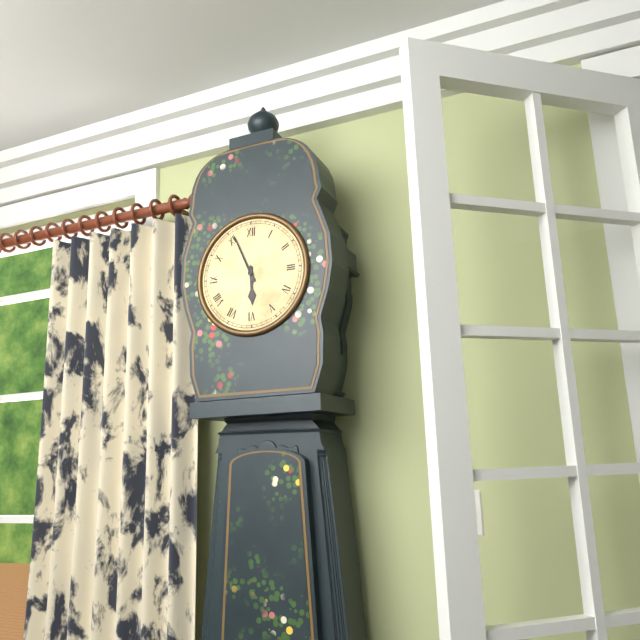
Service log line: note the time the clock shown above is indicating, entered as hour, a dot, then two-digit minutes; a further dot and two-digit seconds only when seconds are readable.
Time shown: 5.56
